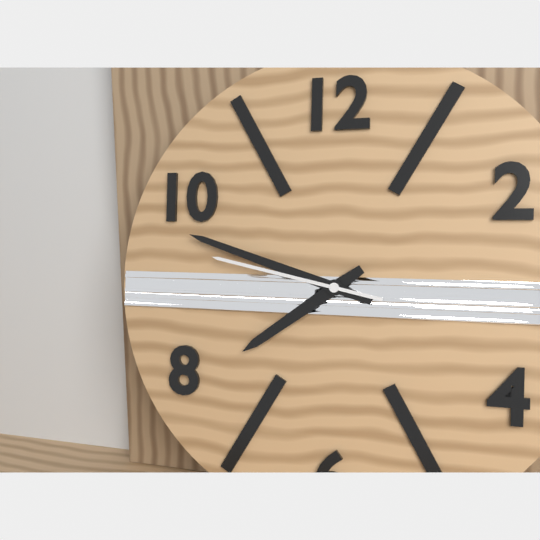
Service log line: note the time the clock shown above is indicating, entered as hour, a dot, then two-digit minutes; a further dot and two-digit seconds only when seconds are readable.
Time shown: 7.48.47
